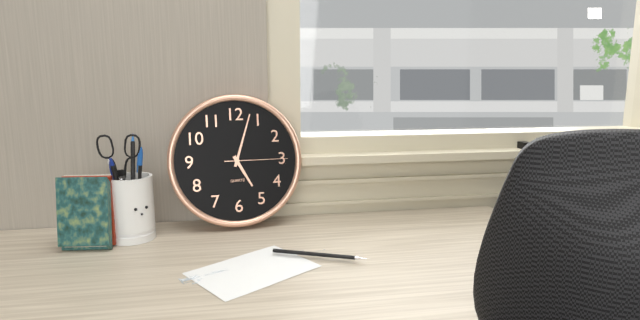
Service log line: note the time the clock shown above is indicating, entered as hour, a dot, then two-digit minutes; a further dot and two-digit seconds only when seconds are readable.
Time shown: 5.03.15
